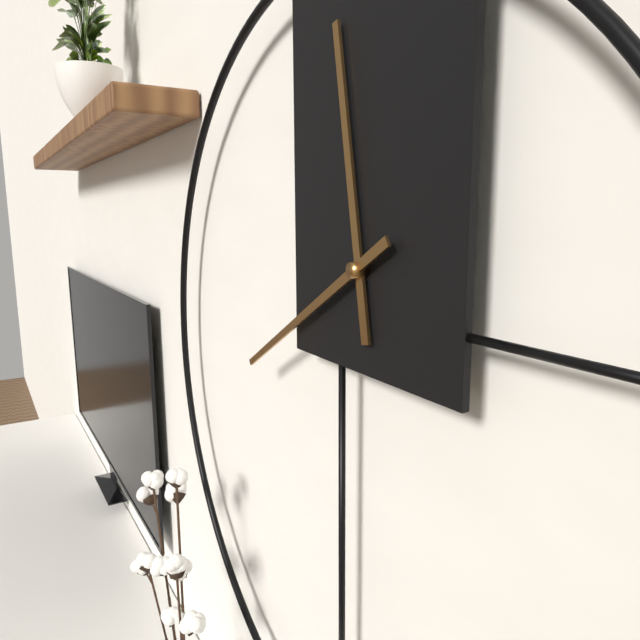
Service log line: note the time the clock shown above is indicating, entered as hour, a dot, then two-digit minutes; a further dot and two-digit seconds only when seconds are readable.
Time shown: 11.40
